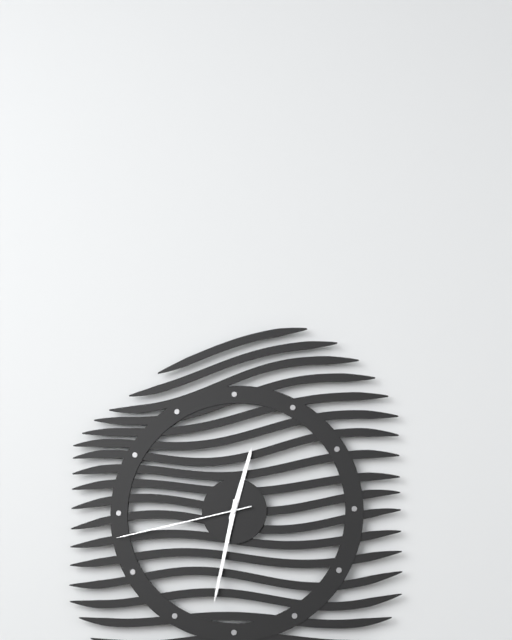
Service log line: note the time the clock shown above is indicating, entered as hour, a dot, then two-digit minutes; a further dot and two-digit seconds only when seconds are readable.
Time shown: 12.32.43
